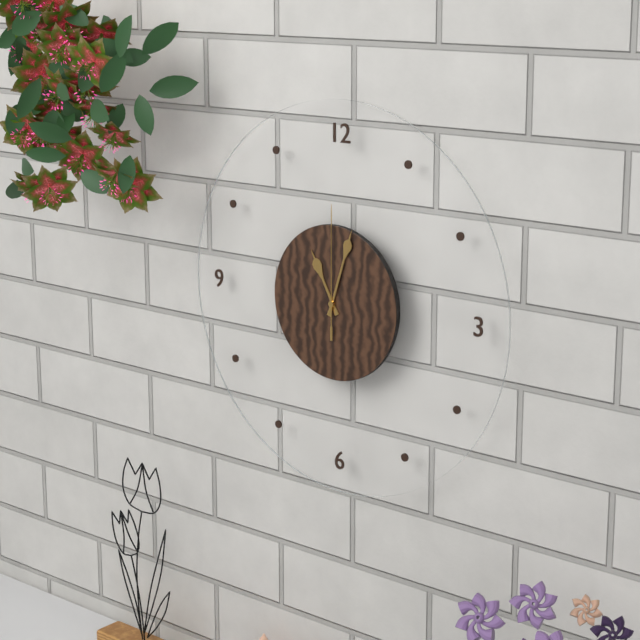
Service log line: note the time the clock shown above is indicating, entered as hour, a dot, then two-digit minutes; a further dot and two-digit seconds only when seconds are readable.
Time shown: 11.03.00
